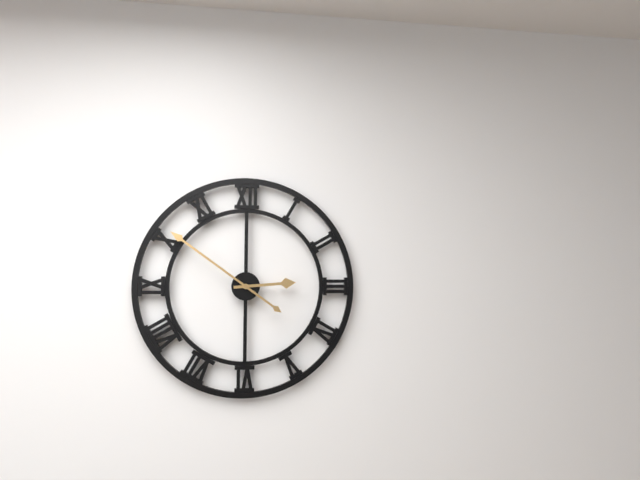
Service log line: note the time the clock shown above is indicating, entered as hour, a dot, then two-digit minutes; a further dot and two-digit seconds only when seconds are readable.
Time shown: 2.51
